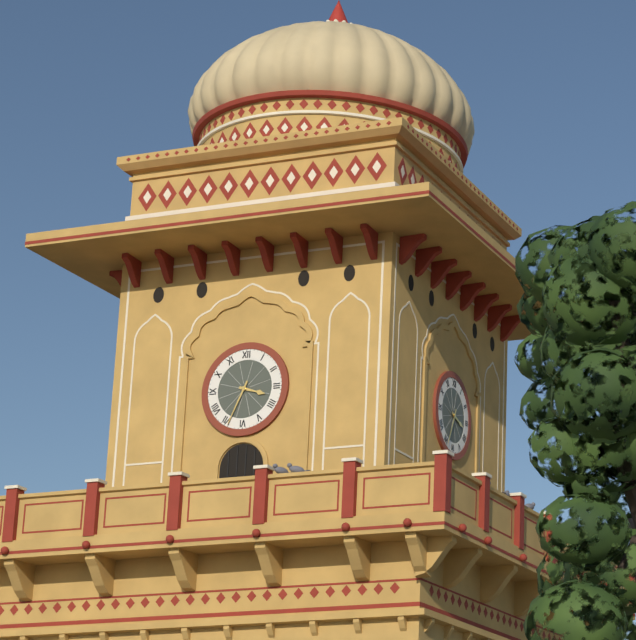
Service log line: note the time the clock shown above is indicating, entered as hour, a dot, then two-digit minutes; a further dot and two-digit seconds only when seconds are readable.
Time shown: 3.34
